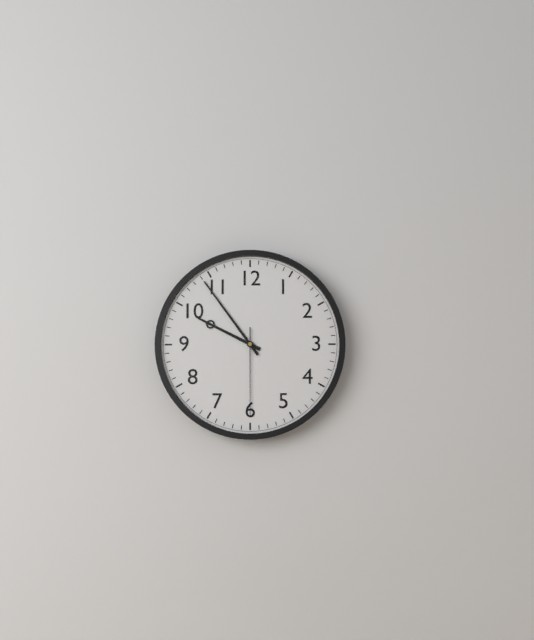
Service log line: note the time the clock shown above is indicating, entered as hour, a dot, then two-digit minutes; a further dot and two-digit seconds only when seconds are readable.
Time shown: 9.54.30
